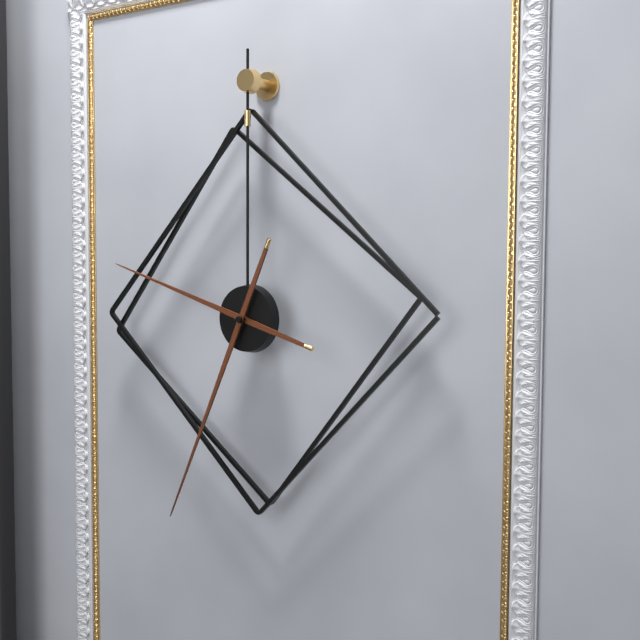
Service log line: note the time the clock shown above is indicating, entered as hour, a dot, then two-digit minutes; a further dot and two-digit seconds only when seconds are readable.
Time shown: 9.34
